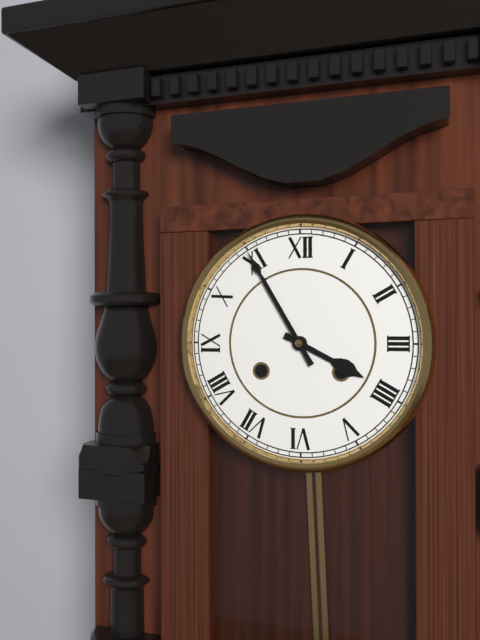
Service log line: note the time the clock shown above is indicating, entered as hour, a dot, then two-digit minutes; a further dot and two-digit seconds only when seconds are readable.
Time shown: 3.55
